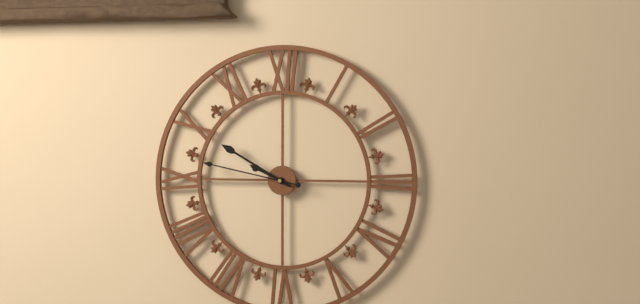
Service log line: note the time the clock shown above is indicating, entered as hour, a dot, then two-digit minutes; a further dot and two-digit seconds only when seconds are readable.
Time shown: 9.50.47
